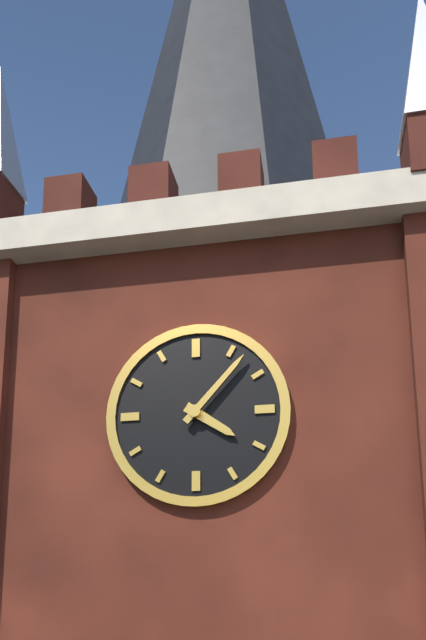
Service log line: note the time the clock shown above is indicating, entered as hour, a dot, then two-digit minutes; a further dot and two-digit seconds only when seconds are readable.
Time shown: 4.07
